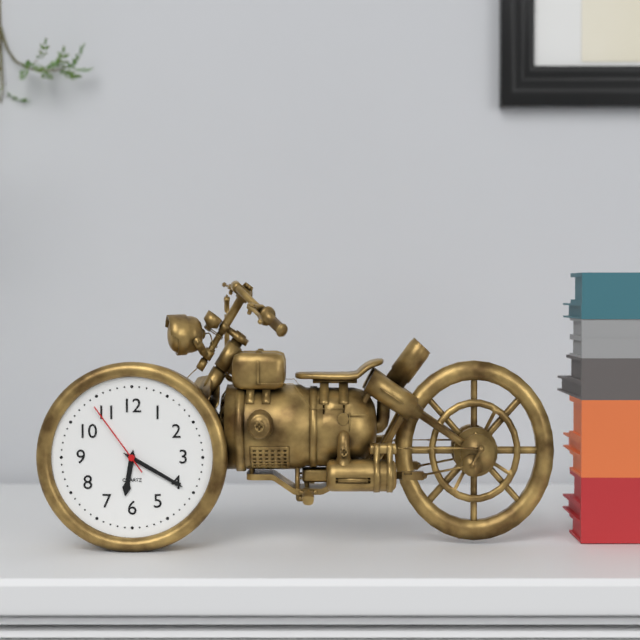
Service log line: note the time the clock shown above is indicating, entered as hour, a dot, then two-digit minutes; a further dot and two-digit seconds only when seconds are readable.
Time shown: 6.20.54
